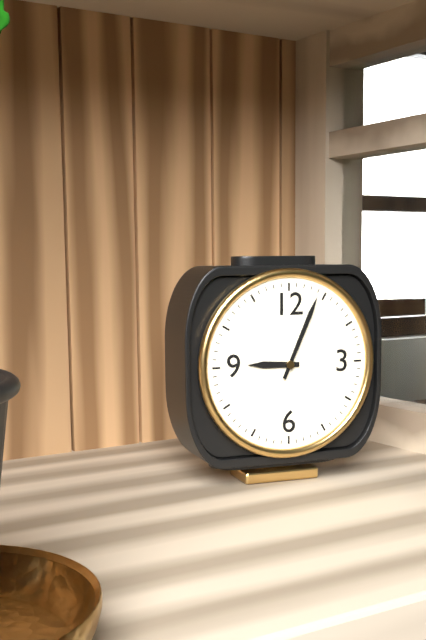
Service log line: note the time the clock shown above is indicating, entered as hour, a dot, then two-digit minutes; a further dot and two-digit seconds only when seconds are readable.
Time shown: 9.04
